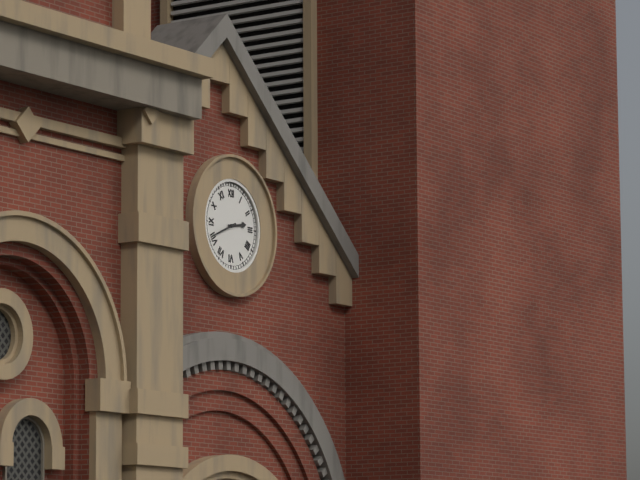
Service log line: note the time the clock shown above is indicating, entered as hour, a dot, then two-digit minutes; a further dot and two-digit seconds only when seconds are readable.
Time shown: 2.41
